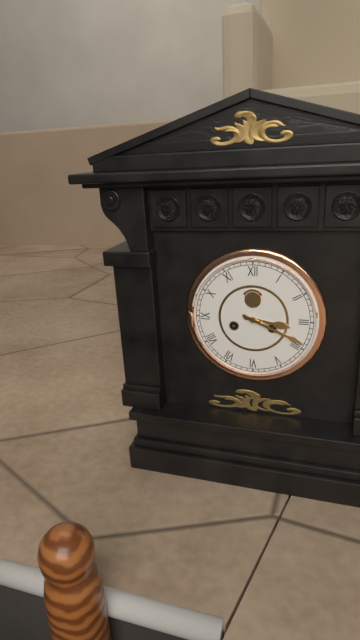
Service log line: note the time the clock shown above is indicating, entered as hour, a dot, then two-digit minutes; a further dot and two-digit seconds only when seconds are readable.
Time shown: 3.19
